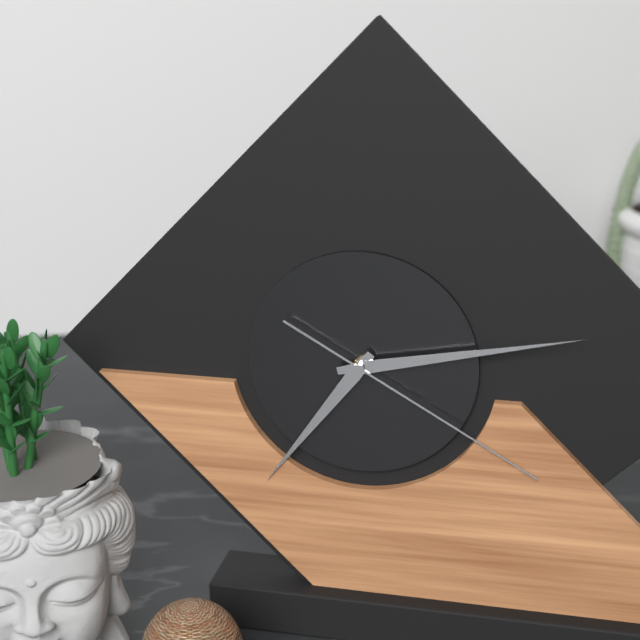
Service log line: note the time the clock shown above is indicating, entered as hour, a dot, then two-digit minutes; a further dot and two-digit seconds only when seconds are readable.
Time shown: 7.13.20
